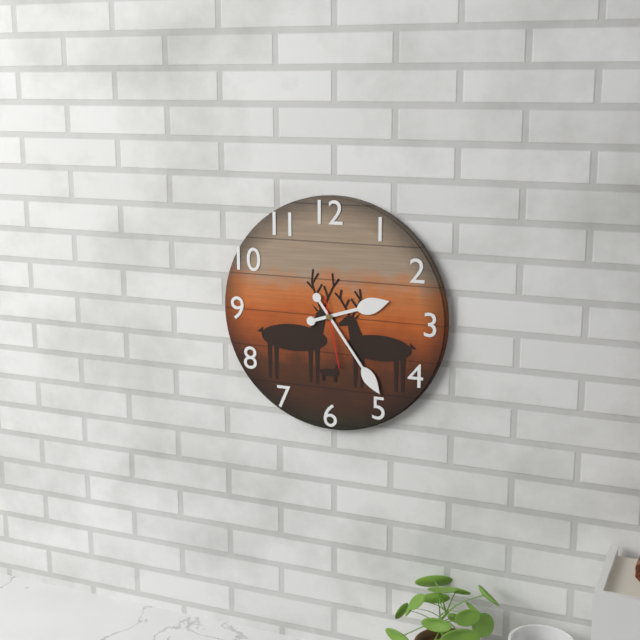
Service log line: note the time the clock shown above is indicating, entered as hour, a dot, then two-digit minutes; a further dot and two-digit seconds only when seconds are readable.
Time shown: 2.24.28
